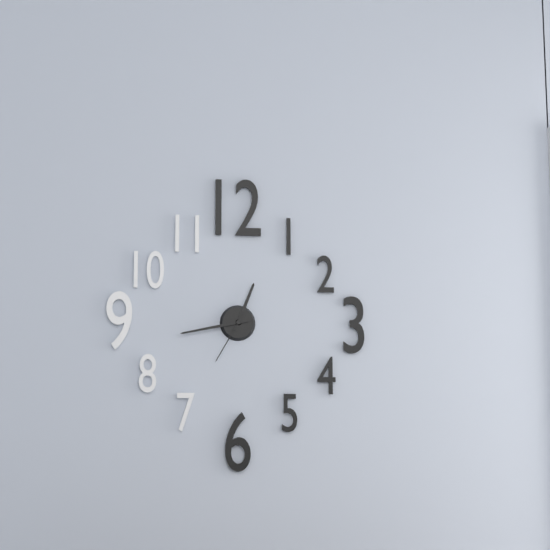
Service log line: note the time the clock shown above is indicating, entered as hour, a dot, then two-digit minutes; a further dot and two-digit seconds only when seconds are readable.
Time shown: 12.43.35
